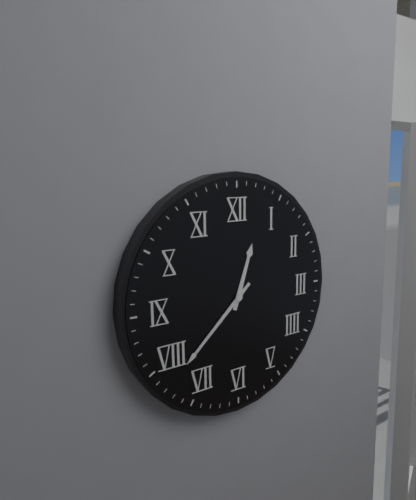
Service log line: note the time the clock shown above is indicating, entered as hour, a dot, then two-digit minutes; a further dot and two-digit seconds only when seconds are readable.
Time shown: 12.38
